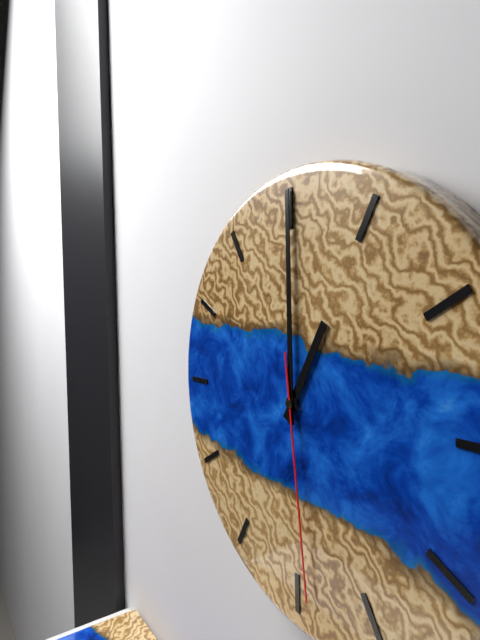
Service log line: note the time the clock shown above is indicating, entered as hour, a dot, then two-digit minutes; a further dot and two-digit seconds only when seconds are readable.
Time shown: 1.00.29
